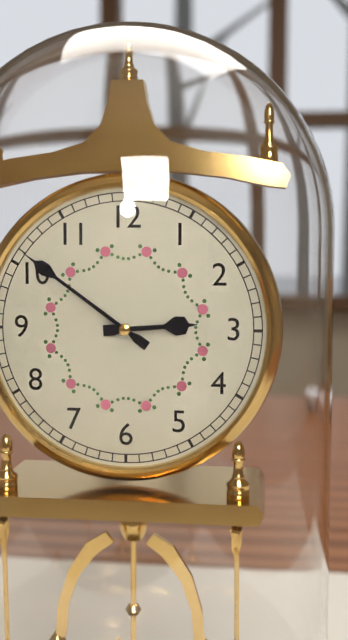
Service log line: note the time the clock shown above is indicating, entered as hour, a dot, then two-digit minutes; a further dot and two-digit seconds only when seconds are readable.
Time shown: 2.51
